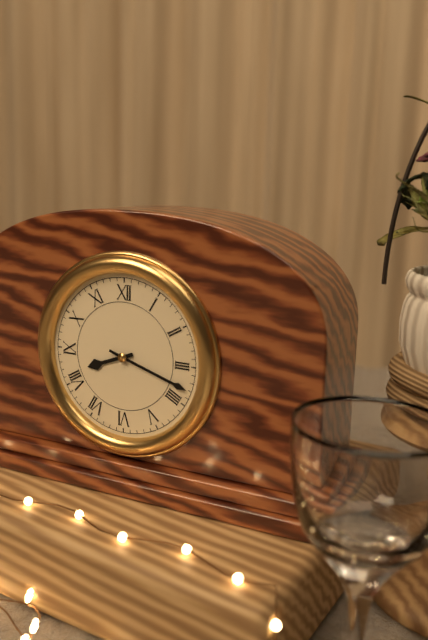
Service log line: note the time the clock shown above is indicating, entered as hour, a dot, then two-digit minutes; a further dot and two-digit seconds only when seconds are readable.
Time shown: 8.18
